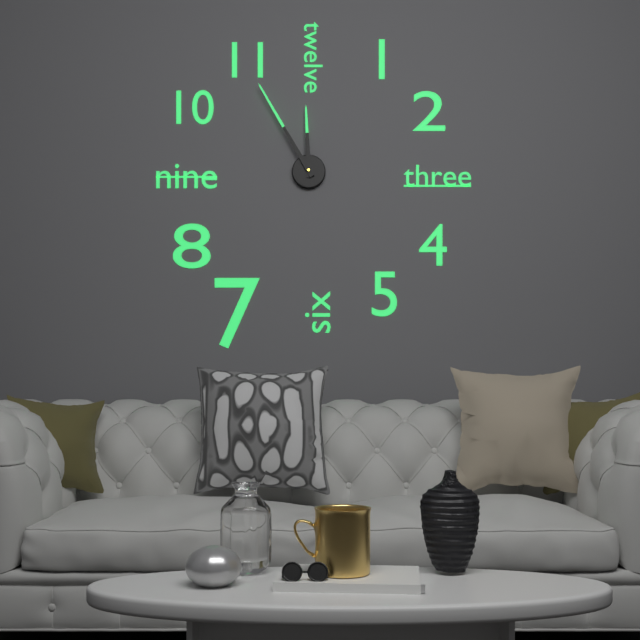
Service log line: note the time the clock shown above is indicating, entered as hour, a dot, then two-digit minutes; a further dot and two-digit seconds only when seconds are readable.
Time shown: 11.55
